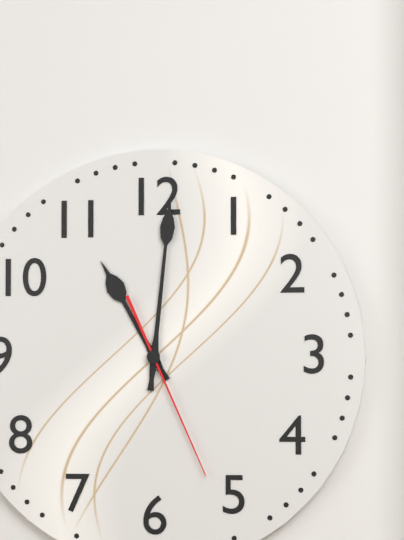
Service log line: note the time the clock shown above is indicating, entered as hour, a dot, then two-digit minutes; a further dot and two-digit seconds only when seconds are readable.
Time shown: 11.01.26
